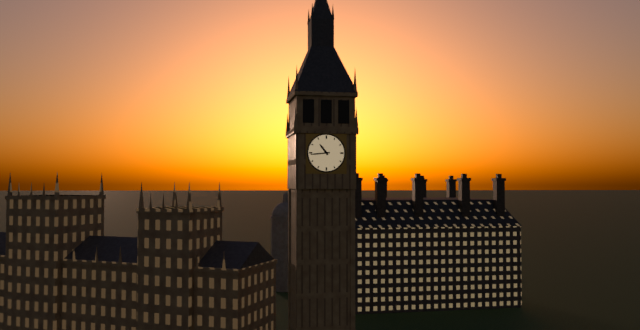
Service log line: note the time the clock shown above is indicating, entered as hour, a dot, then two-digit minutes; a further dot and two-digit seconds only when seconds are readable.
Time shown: 10.44
